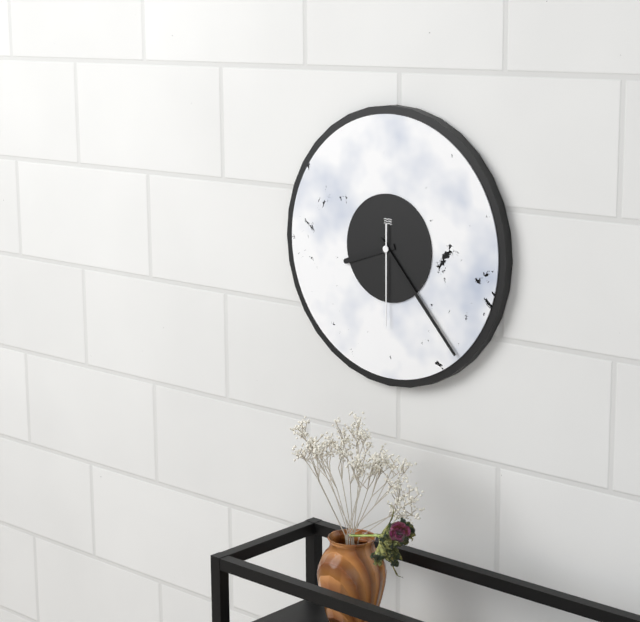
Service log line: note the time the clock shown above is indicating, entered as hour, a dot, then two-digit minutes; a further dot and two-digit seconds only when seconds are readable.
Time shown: 8.23.30
